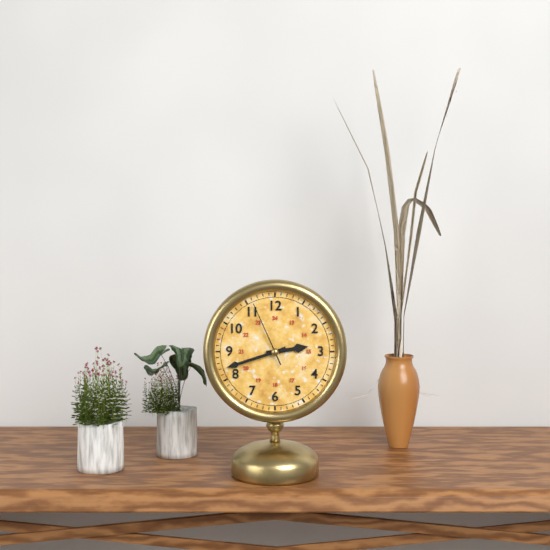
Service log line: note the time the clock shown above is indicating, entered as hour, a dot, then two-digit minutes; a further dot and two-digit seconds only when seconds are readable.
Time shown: 2.42.56
